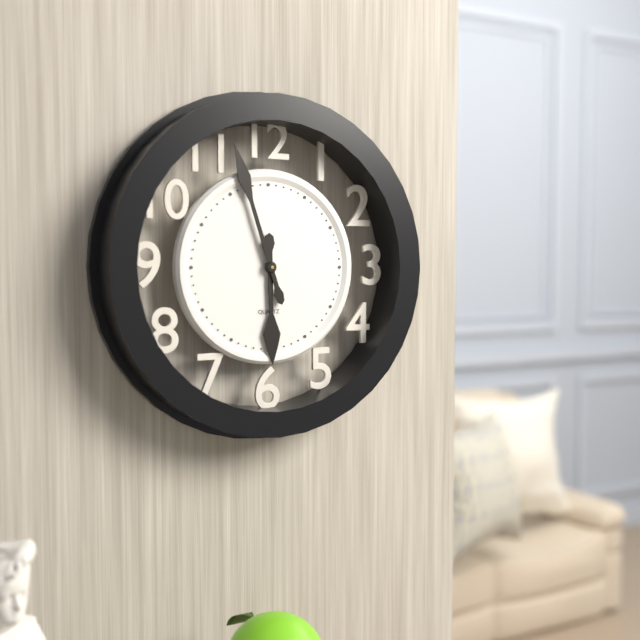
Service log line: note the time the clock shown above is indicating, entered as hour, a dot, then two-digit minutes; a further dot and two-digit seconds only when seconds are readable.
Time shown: 5.57
